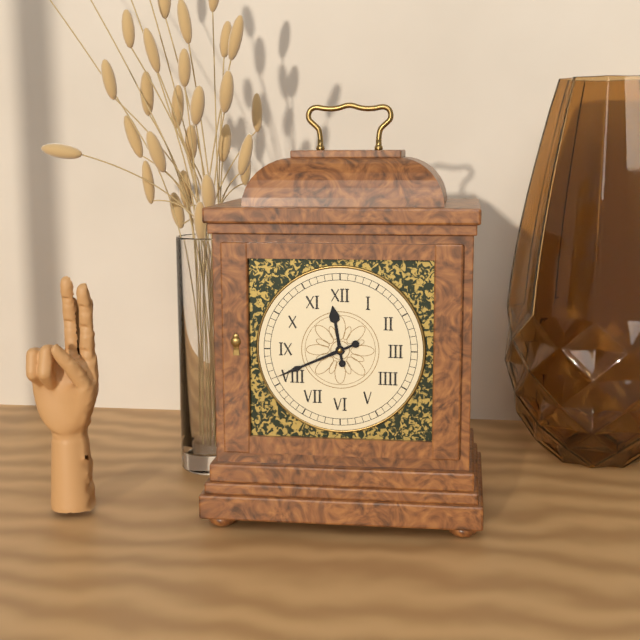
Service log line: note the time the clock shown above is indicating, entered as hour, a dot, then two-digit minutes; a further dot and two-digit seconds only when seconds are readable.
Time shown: 11.41
